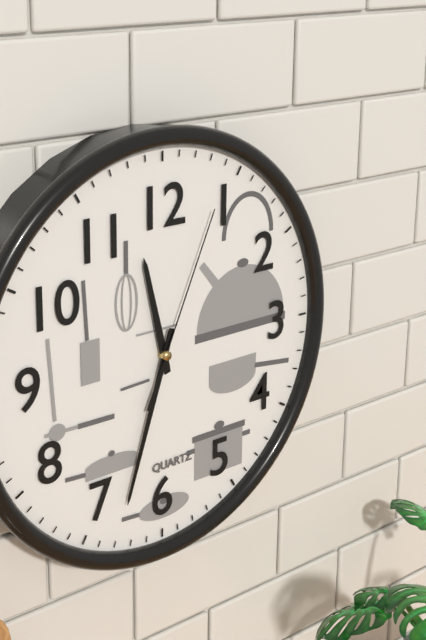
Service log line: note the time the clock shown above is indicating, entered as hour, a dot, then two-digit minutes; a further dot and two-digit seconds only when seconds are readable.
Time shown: 11.33.04
